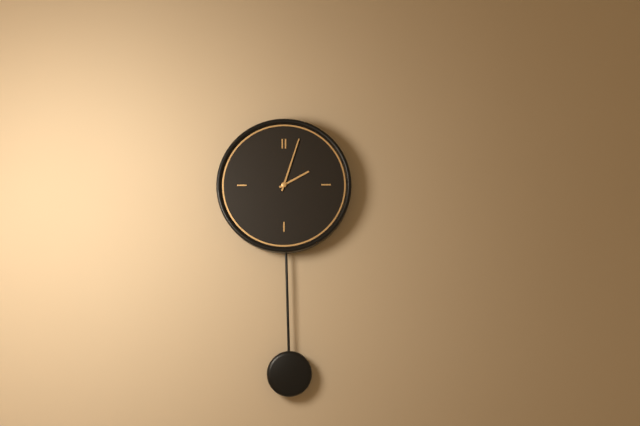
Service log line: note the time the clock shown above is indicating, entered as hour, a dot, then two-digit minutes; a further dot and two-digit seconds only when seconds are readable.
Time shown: 2.03
